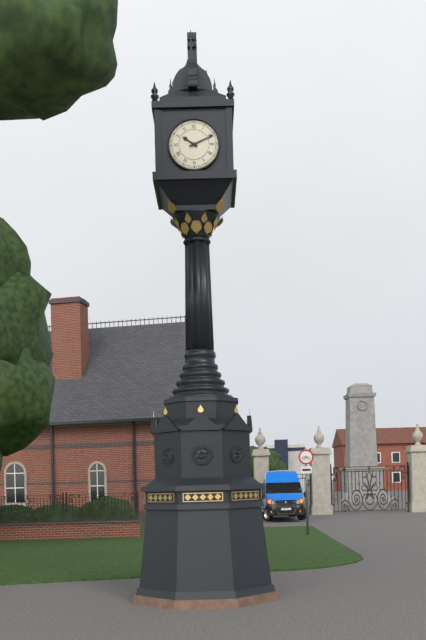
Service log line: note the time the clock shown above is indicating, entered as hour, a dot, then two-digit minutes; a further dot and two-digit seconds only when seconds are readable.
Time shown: 10.11
